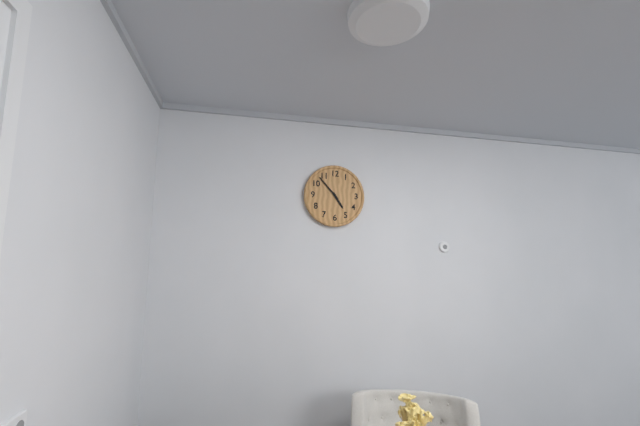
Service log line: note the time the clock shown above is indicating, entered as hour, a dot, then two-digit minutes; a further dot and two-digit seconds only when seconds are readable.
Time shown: 4.53
